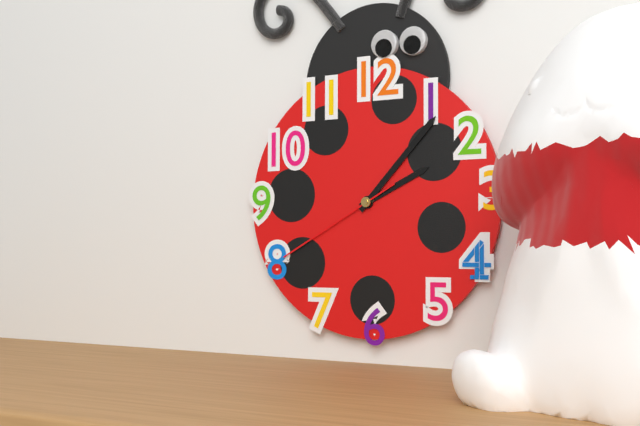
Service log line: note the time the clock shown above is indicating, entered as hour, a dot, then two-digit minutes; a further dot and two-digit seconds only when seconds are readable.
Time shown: 2.07.40
